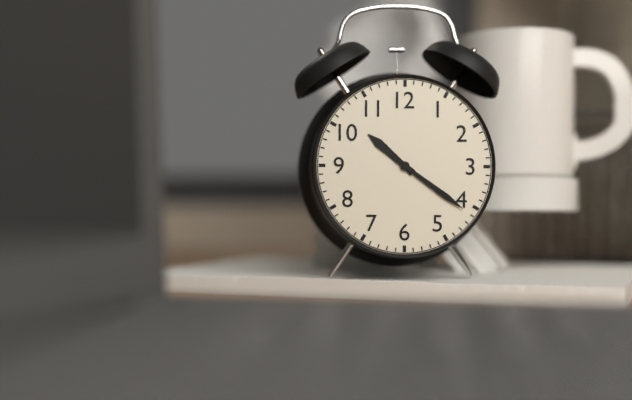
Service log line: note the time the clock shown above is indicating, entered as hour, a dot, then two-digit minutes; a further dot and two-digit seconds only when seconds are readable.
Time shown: 10.21
